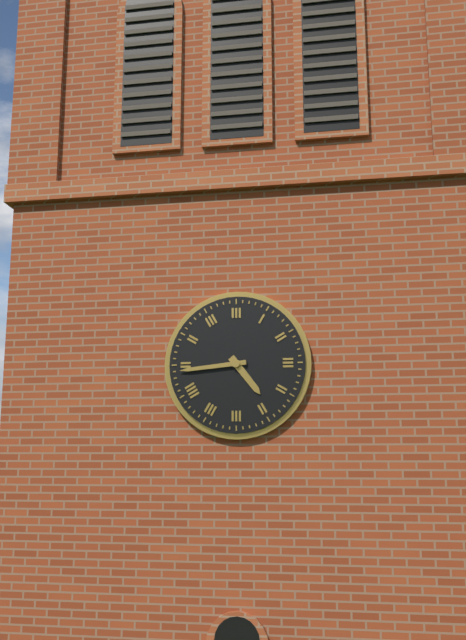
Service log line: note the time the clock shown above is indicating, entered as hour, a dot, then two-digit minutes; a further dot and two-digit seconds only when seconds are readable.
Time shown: 4.44
